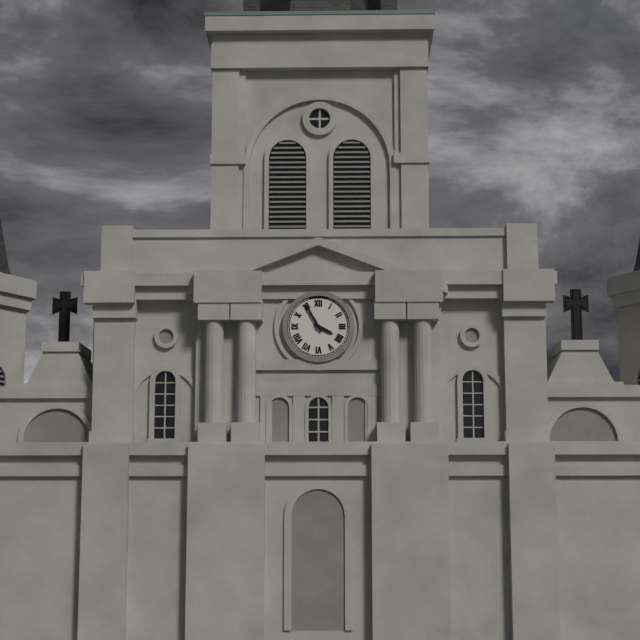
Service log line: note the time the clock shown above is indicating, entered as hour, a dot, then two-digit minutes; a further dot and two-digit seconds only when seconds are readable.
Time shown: 3.55
